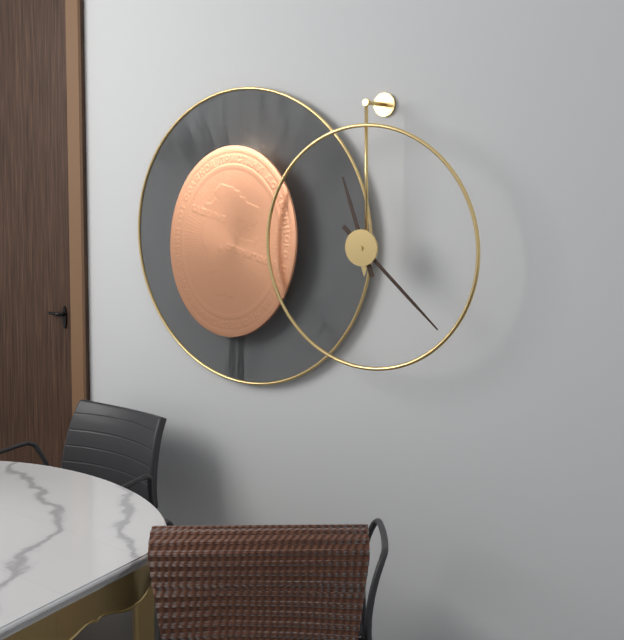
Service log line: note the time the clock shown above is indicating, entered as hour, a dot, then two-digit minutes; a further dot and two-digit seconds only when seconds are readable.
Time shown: 11.22
